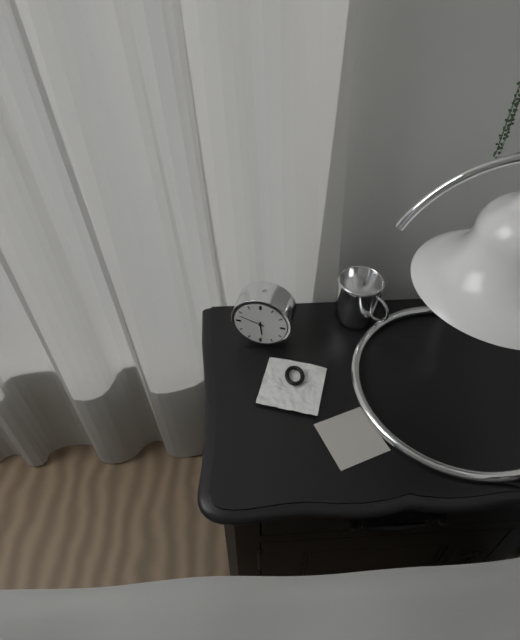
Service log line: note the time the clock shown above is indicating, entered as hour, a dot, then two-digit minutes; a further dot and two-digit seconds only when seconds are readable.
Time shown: 5.48
